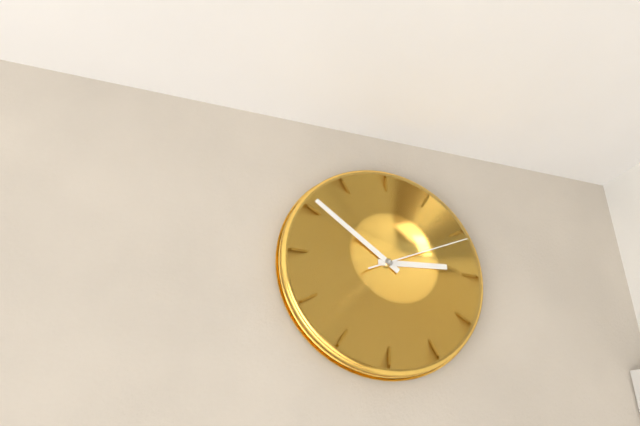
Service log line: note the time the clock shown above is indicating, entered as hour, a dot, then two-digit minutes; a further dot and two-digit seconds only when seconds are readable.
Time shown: 2.51.11
